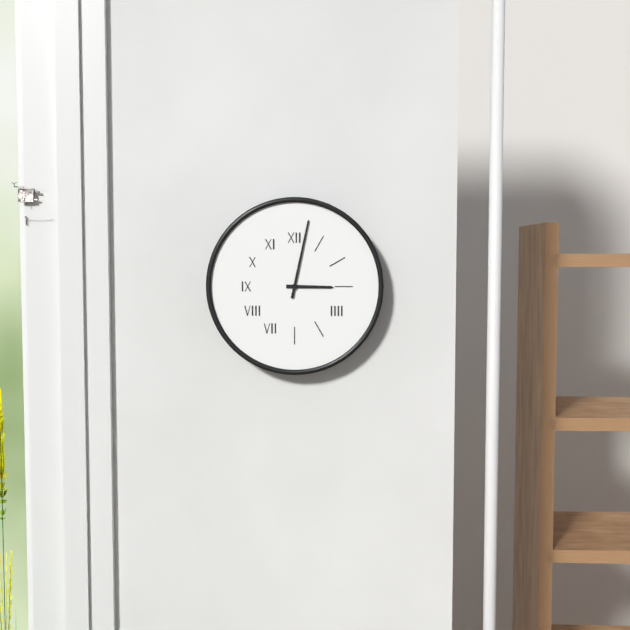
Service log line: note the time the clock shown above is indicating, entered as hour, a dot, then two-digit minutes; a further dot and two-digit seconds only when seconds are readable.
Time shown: 3.02
